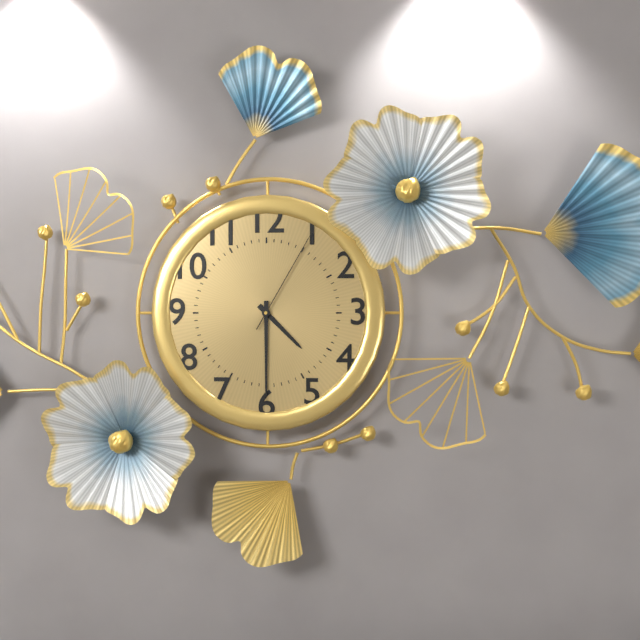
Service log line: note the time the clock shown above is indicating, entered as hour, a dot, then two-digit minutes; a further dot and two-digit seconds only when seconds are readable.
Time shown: 4.30.05
